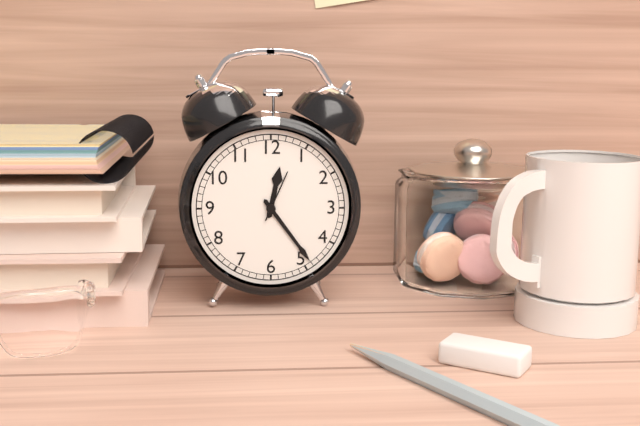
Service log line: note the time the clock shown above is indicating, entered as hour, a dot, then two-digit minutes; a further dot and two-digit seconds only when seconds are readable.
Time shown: 12.24.04
